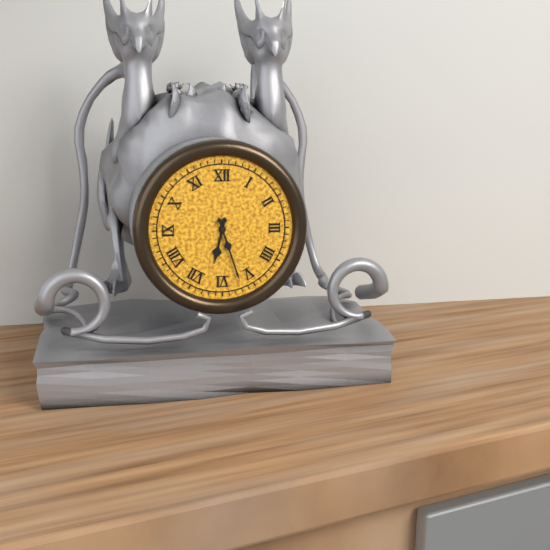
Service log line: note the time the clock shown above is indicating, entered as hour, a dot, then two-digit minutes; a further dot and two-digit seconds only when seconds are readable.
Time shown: 6.27
